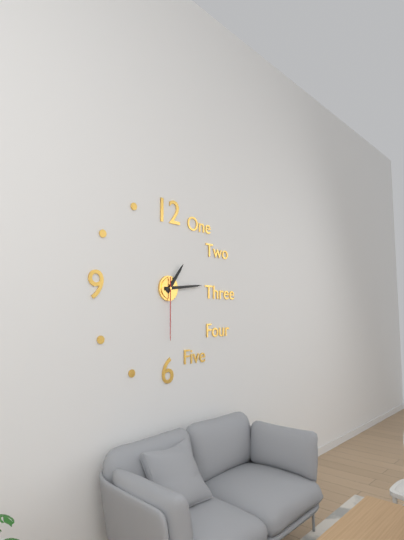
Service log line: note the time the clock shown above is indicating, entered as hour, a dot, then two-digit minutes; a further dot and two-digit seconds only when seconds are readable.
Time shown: 1.14.30
